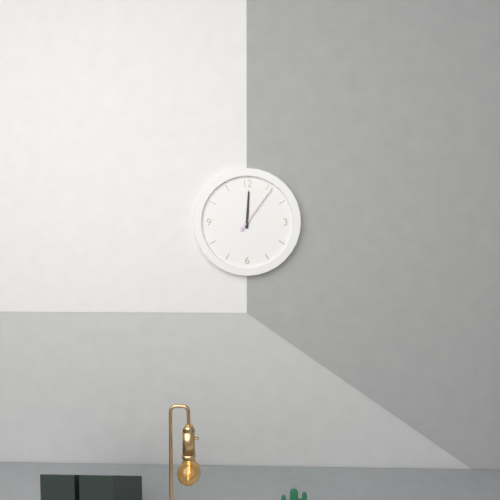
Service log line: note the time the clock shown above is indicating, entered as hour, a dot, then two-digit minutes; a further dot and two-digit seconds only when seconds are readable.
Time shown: 12.06.06
